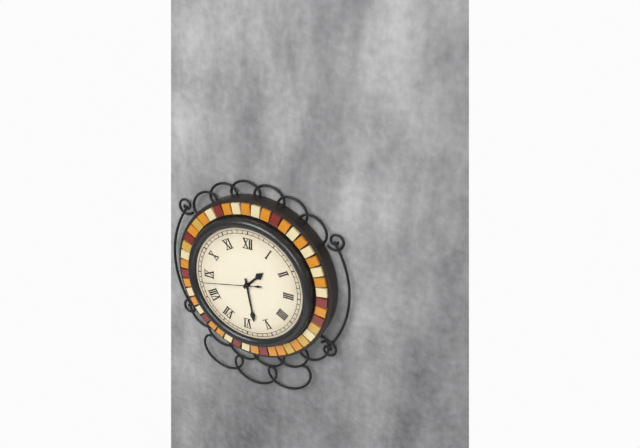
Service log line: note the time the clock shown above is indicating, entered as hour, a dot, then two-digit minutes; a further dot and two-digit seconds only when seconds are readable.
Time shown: 1.28.43
